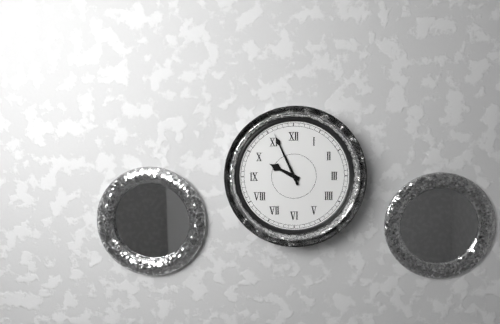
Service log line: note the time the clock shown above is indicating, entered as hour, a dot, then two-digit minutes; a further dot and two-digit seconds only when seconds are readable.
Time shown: 9.56
